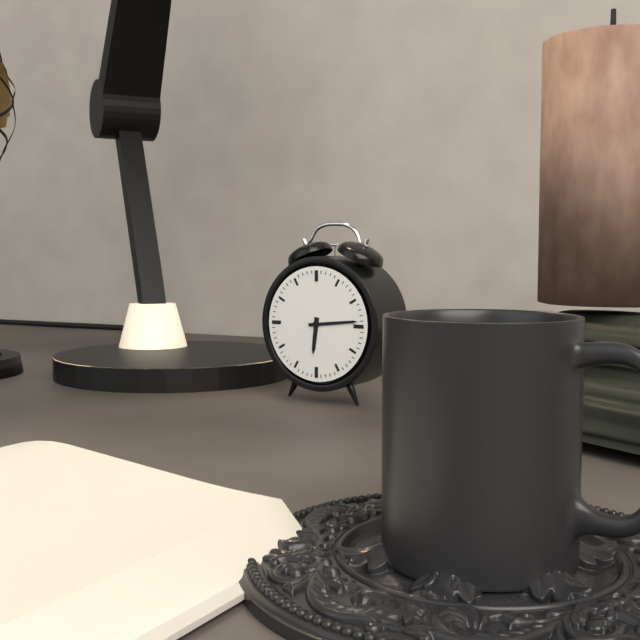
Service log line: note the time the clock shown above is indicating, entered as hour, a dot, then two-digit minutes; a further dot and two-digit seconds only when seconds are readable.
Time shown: 6.14
